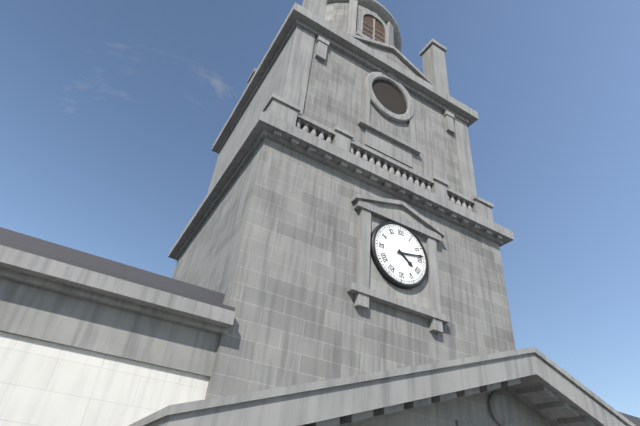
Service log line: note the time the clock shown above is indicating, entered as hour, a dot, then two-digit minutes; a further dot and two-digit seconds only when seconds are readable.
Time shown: 4.13
